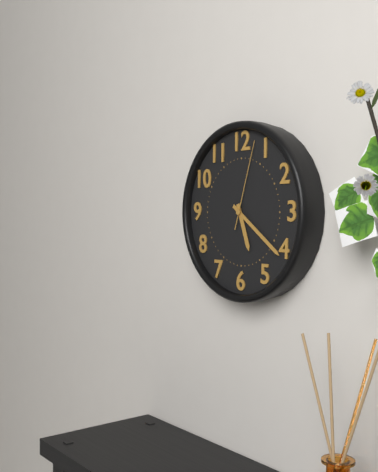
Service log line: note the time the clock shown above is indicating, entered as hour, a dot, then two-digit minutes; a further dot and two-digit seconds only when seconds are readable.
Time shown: 5.21.03
